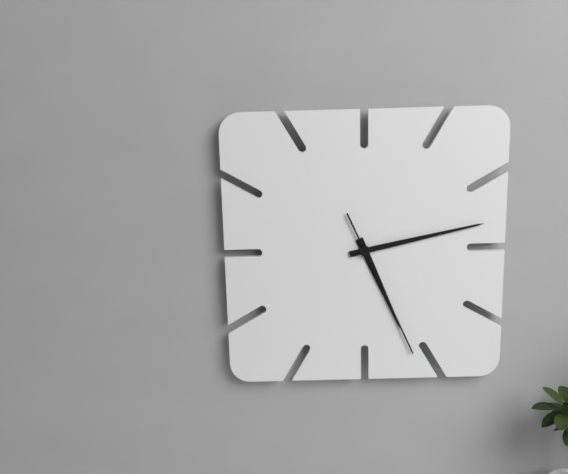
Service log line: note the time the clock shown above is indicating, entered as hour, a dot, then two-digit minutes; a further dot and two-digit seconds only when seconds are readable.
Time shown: 5.13.26
